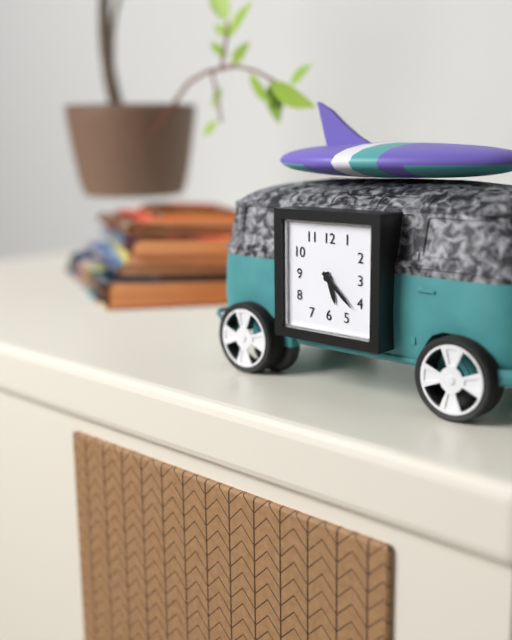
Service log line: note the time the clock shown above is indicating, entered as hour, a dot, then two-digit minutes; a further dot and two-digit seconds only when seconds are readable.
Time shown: 5.22
